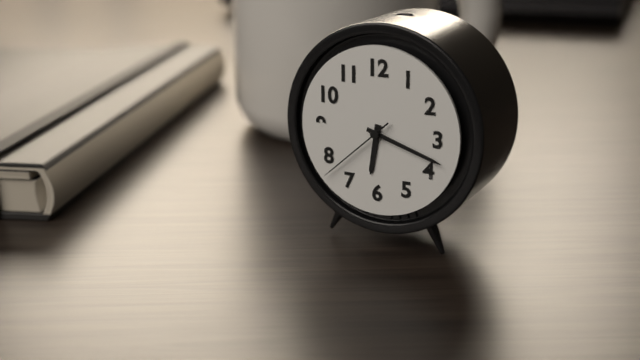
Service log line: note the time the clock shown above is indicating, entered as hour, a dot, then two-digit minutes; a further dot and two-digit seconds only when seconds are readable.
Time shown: 6.18.38
